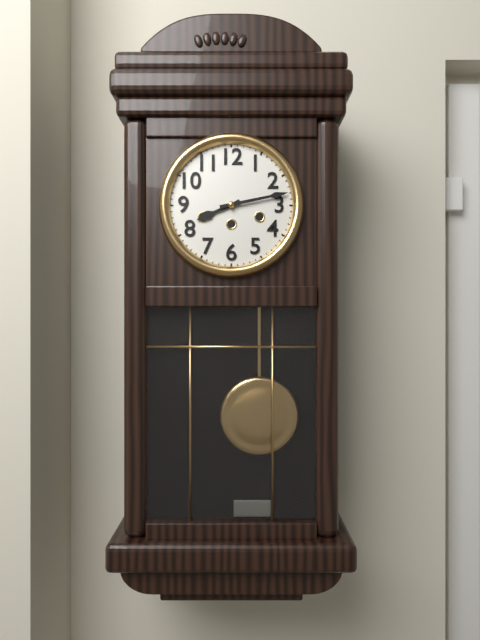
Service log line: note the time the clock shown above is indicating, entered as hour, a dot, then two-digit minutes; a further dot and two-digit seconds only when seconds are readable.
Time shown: 8.13
